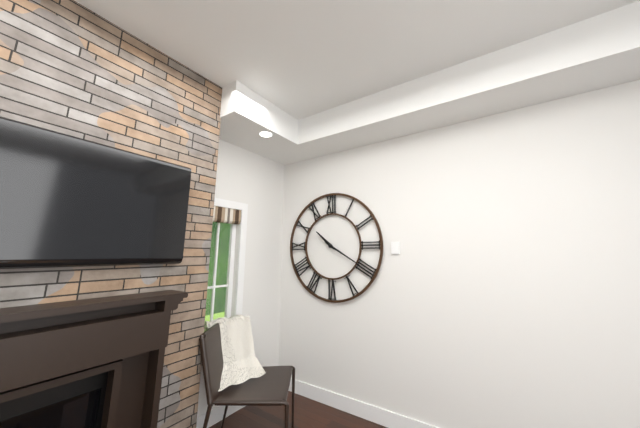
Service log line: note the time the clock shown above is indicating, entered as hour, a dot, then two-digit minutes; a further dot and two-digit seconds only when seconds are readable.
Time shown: 10.20
